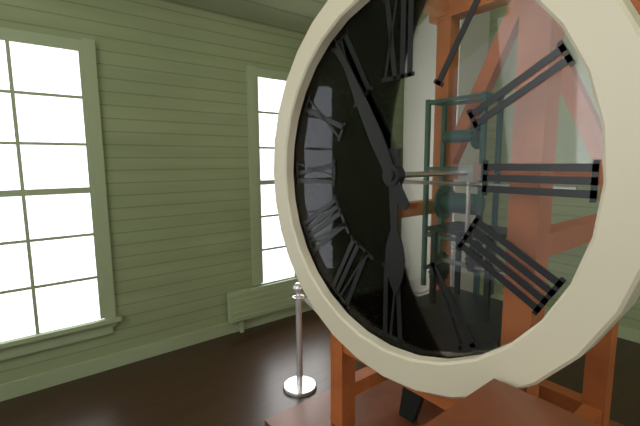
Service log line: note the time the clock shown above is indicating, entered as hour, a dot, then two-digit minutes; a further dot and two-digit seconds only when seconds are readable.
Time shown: 5.55
